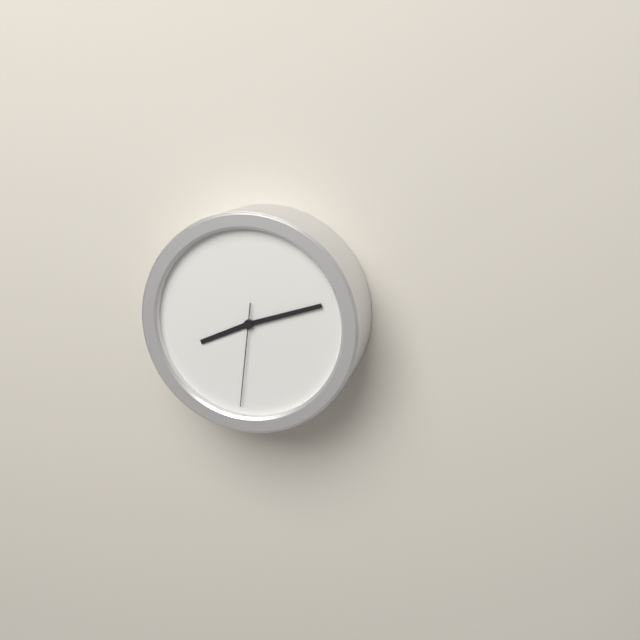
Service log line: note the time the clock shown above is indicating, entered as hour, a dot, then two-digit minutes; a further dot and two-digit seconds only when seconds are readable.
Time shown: 8.12.31
